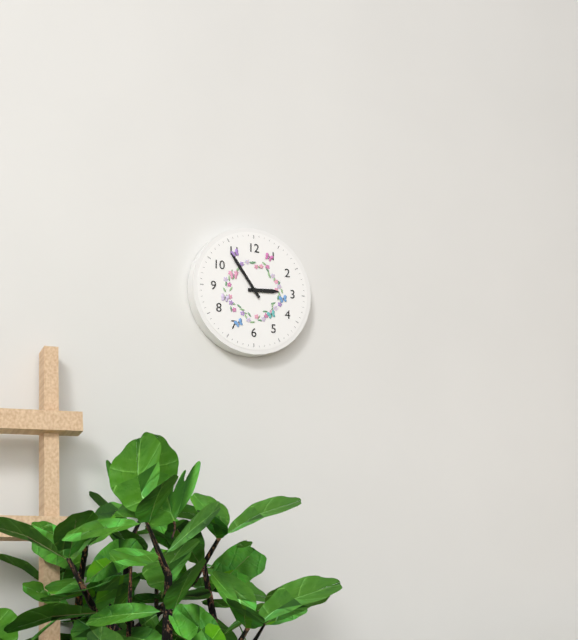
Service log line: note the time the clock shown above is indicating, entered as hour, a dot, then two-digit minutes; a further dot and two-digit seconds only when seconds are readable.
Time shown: 2.54
